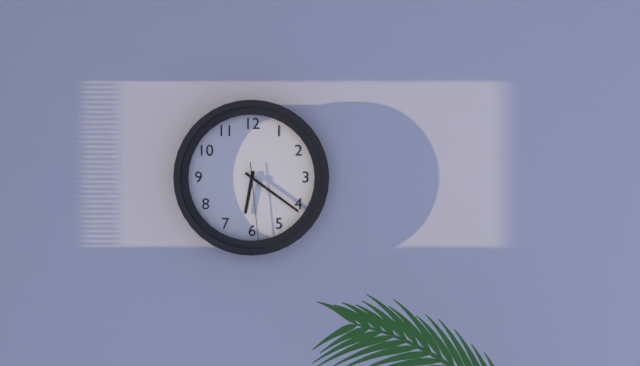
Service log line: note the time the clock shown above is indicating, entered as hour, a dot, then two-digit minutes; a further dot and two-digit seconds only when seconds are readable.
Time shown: 6.21.29
